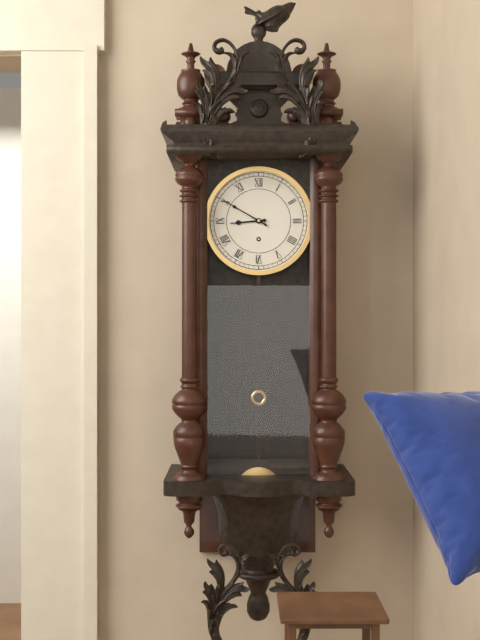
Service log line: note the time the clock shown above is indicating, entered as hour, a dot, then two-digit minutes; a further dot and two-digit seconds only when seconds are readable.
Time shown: 8.50
